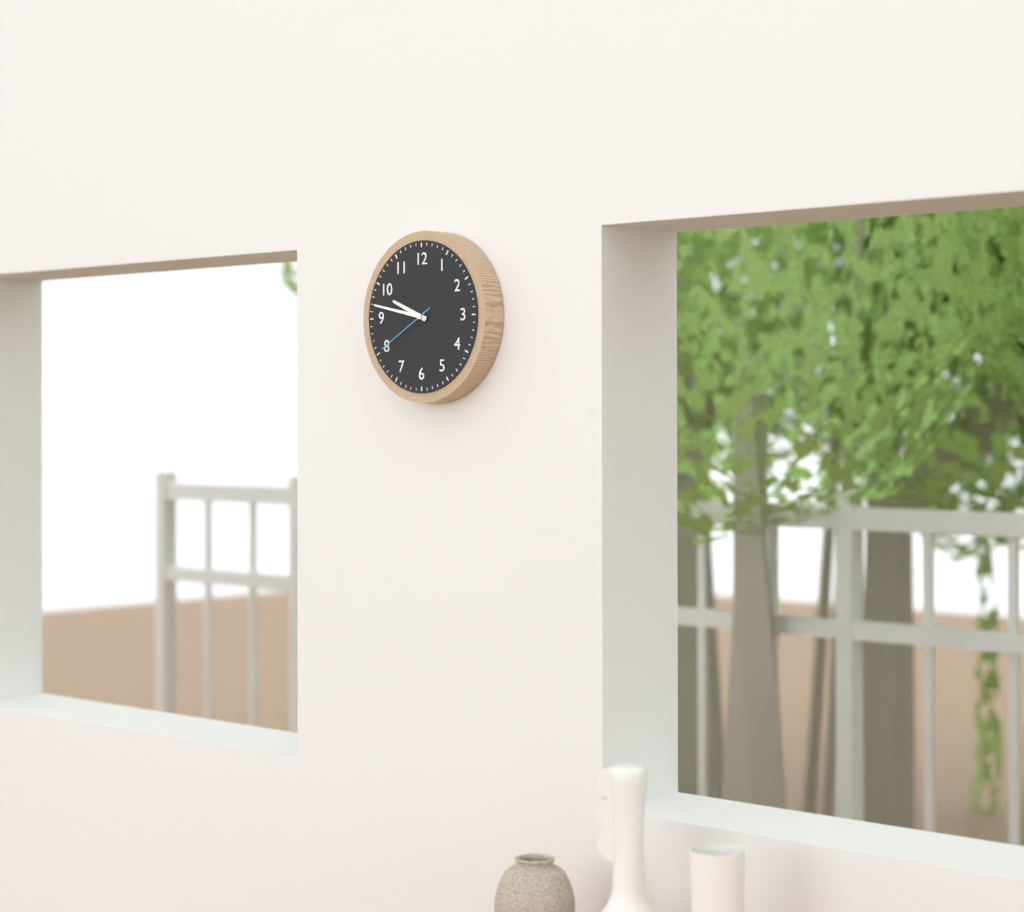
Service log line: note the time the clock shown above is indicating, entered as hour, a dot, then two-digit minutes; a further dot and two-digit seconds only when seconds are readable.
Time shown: 9.47.40
